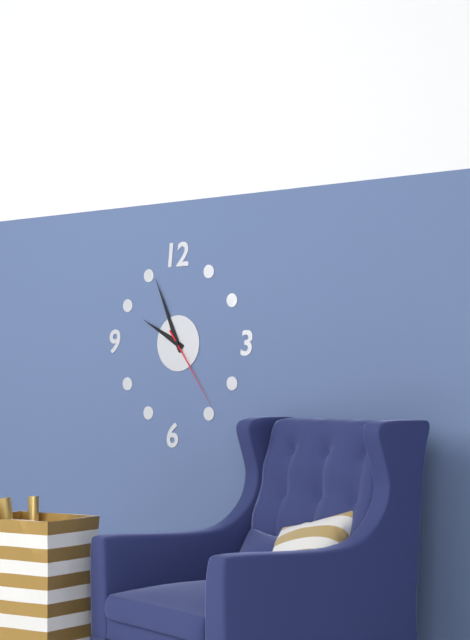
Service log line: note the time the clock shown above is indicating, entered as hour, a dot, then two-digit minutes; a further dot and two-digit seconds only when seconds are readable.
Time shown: 9.56.24
